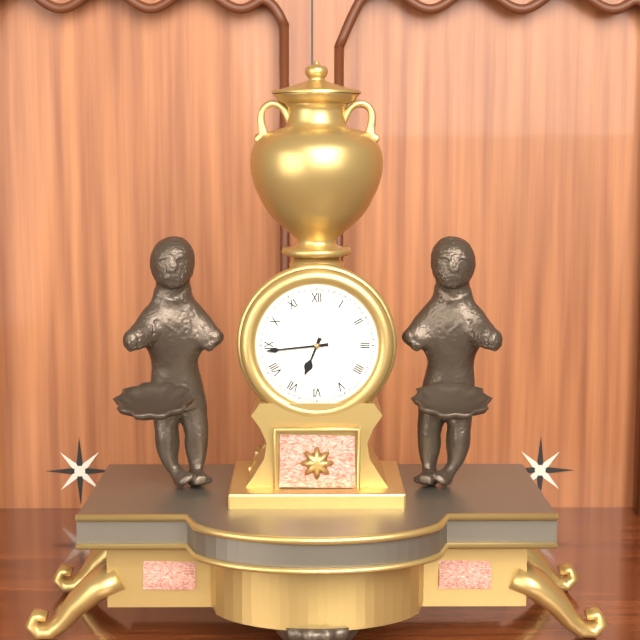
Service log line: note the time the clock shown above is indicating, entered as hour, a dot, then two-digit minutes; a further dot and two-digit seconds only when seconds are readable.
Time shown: 6.44
